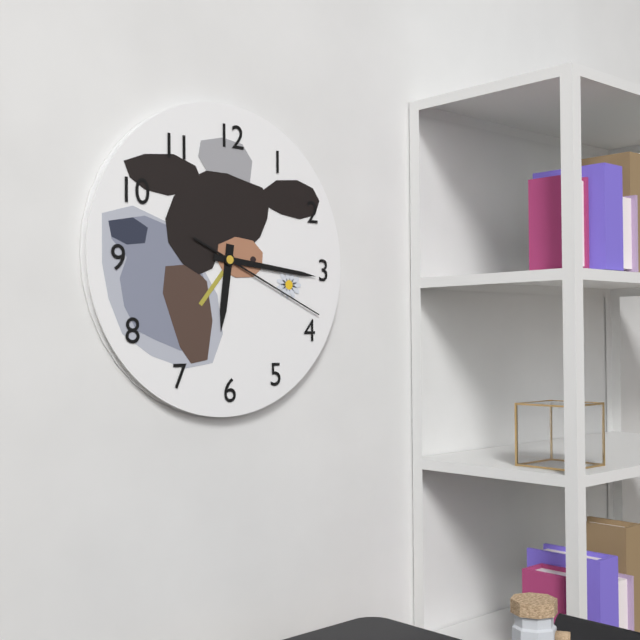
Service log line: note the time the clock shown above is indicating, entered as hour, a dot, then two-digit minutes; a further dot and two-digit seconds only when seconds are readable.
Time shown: 6.16.19
